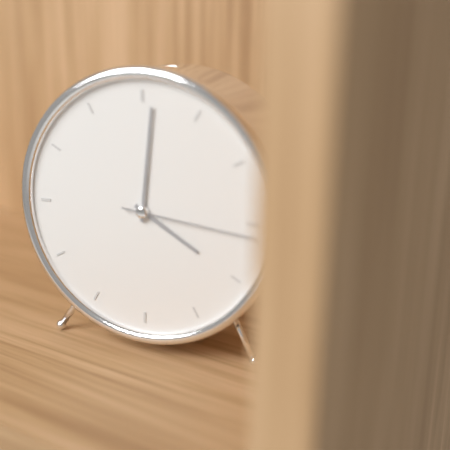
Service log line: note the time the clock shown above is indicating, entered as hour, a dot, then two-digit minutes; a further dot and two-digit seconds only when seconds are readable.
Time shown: 4.01.16
